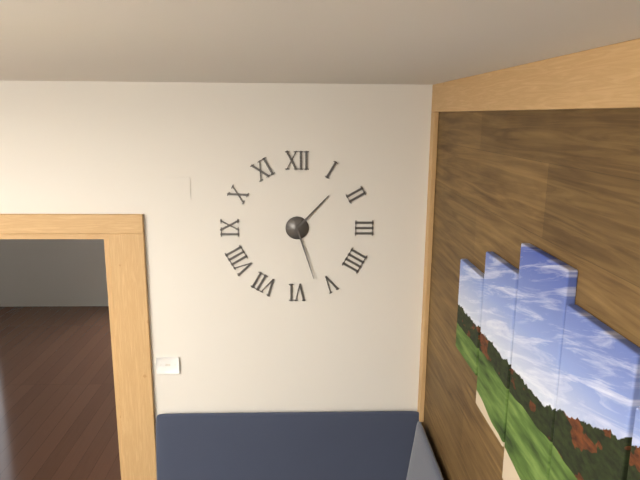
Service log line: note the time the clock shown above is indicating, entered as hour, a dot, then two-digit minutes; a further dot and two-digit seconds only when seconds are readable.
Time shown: 1.27
